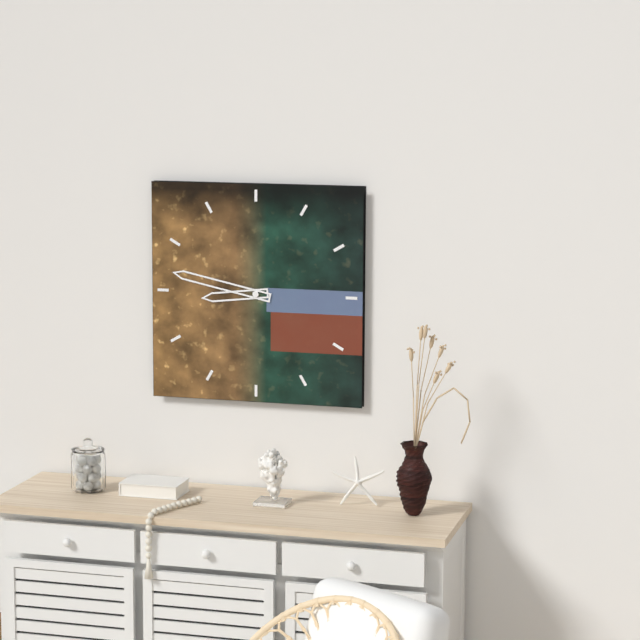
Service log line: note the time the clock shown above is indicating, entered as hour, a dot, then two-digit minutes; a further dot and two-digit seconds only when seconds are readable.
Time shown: 8.47
